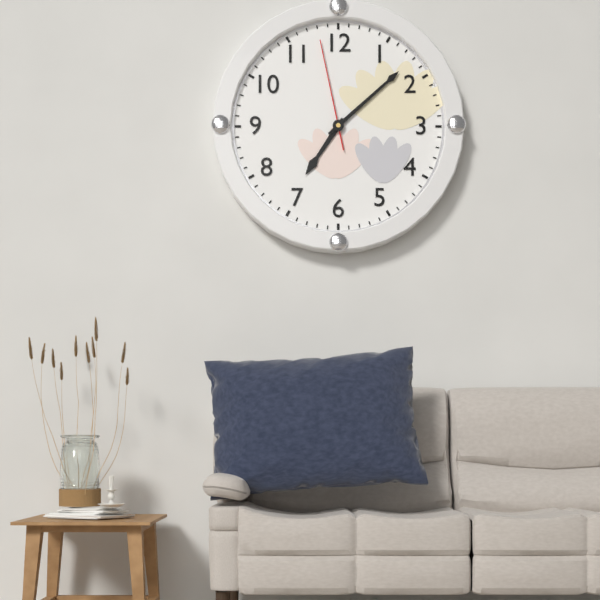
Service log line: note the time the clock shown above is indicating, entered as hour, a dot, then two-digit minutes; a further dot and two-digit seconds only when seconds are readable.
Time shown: 7.08.58
